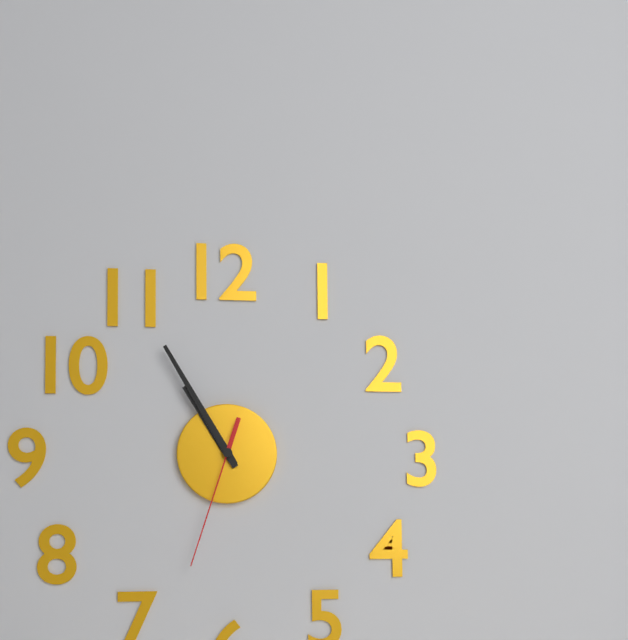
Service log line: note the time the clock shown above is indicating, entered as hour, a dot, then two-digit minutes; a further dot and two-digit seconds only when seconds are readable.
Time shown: 10.55.33
